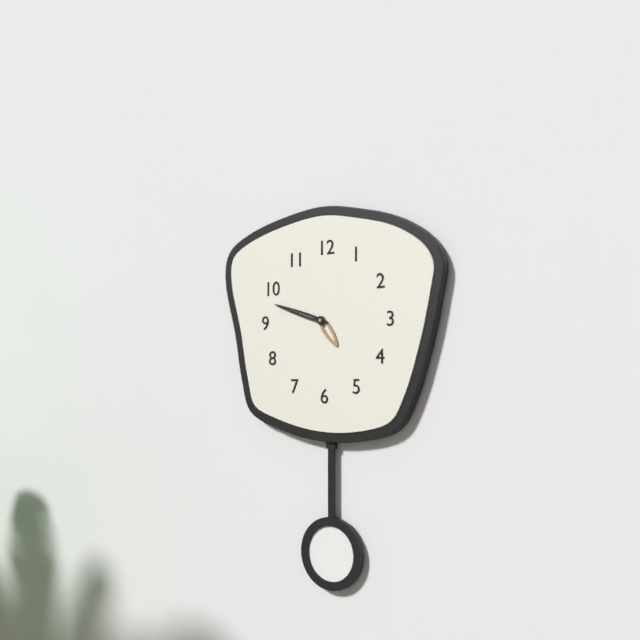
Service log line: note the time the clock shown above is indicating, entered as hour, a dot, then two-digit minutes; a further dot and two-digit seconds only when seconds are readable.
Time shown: 4.48
